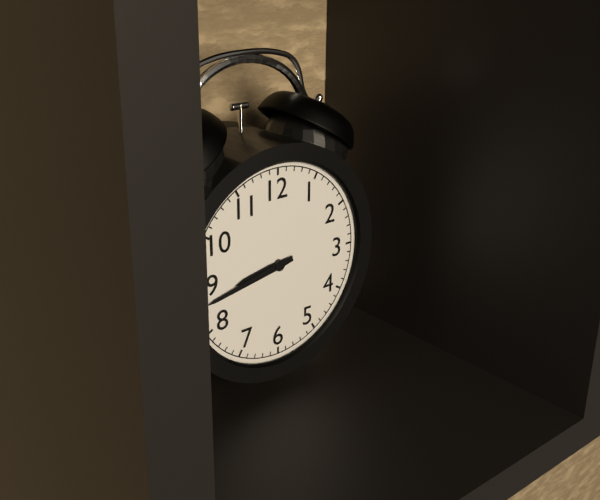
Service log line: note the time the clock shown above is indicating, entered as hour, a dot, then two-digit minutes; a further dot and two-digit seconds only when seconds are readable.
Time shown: 8.43
